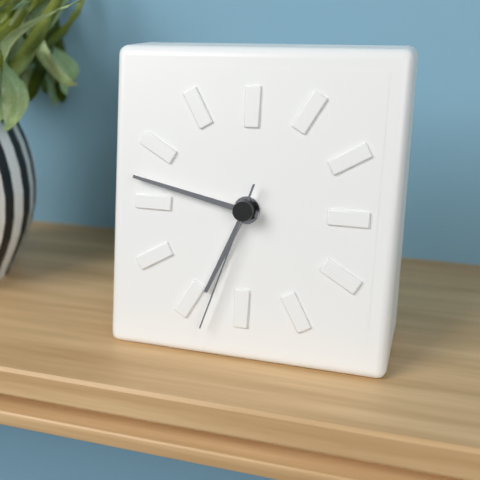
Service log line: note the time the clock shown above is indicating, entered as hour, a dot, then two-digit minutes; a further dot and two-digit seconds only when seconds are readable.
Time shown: 6.47.33
